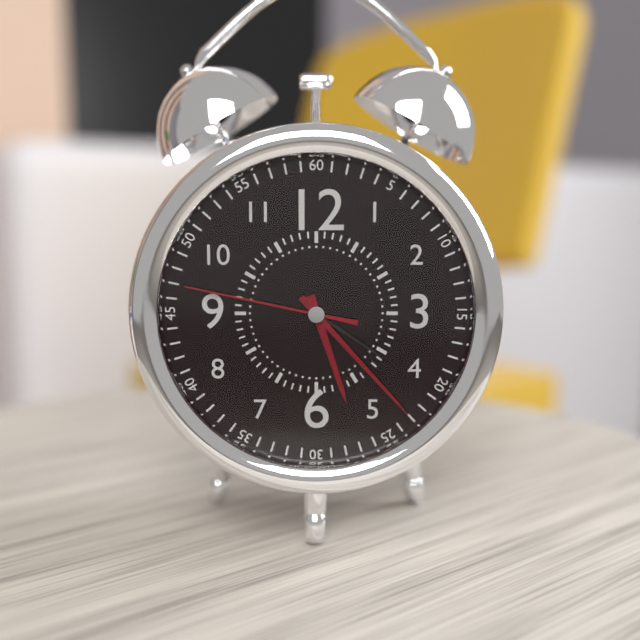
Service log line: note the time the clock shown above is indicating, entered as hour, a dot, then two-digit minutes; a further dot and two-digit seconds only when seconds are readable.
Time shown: 5.23.47
